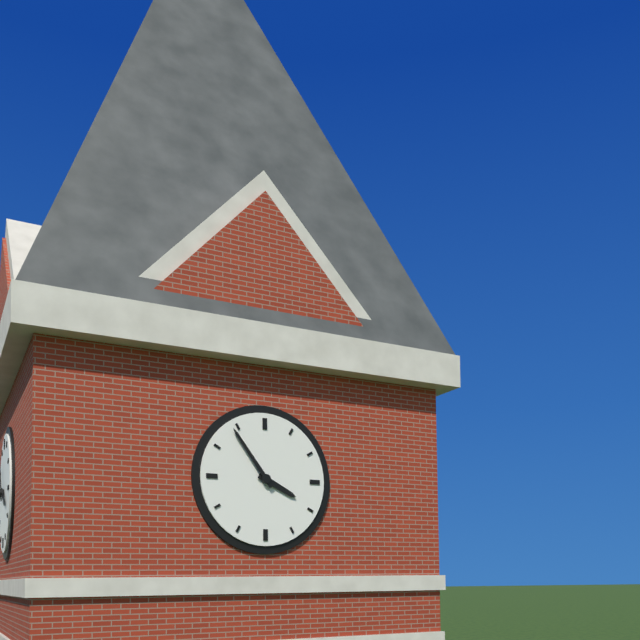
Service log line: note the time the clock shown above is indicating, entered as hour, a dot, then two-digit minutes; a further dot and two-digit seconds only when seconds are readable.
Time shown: 3.54
